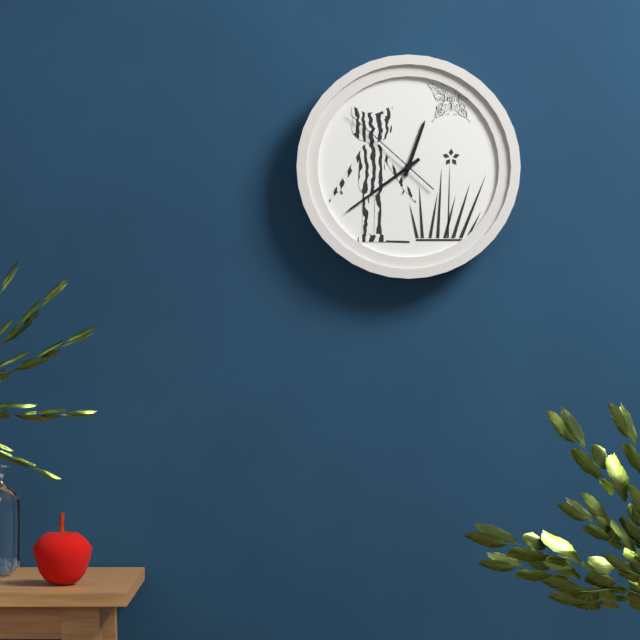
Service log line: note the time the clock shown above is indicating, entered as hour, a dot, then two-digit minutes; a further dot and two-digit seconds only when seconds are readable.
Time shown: 12.39.52
